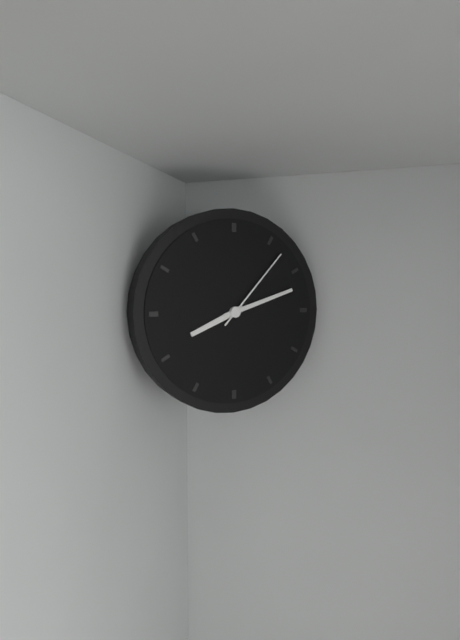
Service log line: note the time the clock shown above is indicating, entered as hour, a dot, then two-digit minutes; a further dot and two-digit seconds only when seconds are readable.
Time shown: 8.12.07
